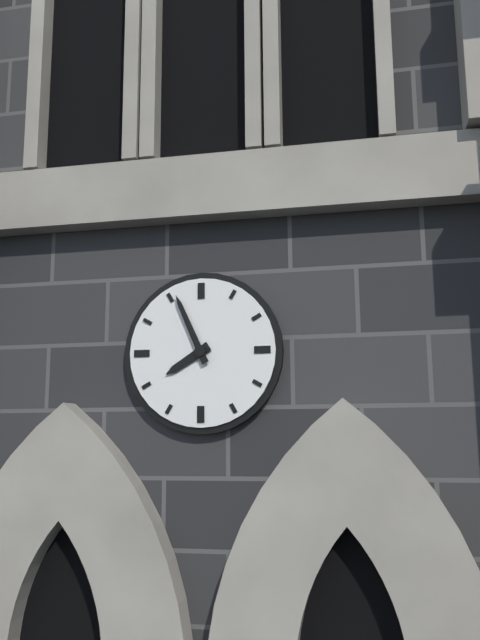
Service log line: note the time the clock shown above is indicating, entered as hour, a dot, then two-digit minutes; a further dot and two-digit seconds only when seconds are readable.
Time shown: 7.56
